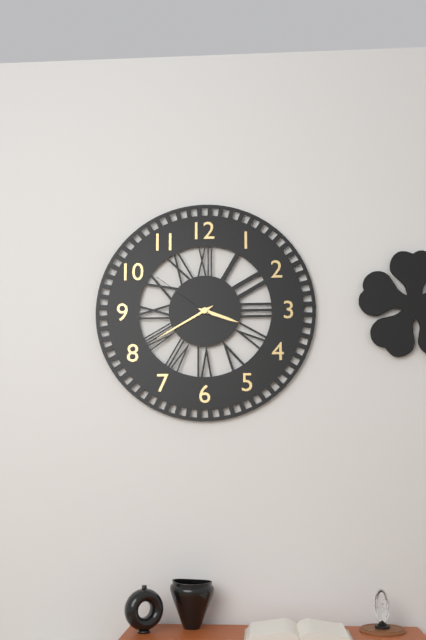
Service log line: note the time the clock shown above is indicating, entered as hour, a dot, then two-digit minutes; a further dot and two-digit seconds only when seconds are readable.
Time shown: 3.40.51
